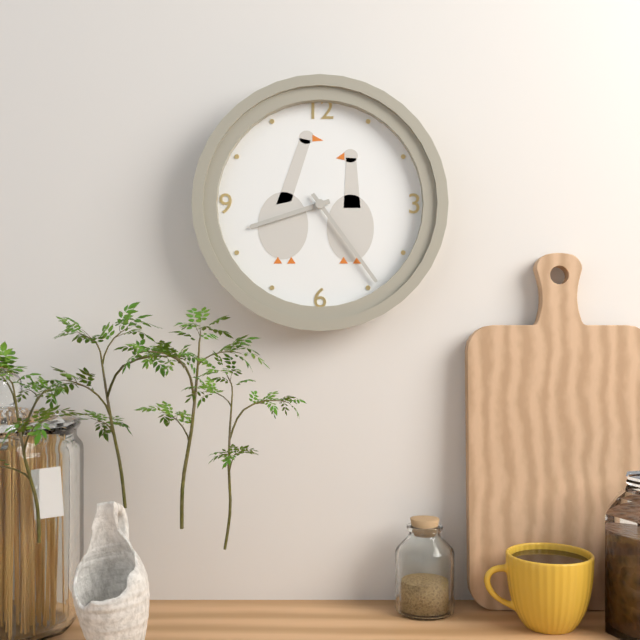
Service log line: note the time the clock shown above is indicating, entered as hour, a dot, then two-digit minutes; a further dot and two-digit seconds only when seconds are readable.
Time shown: 8.24
